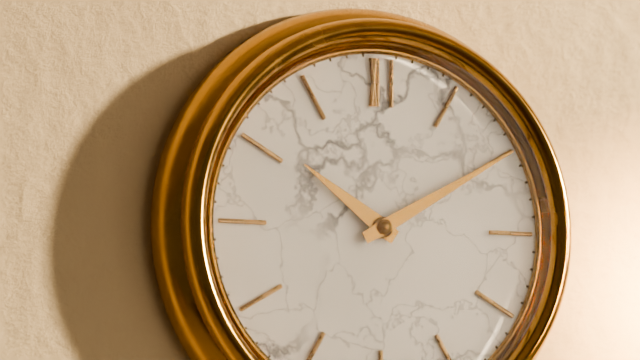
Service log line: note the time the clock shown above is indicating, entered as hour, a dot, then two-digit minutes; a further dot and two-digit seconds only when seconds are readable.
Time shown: 10.10
